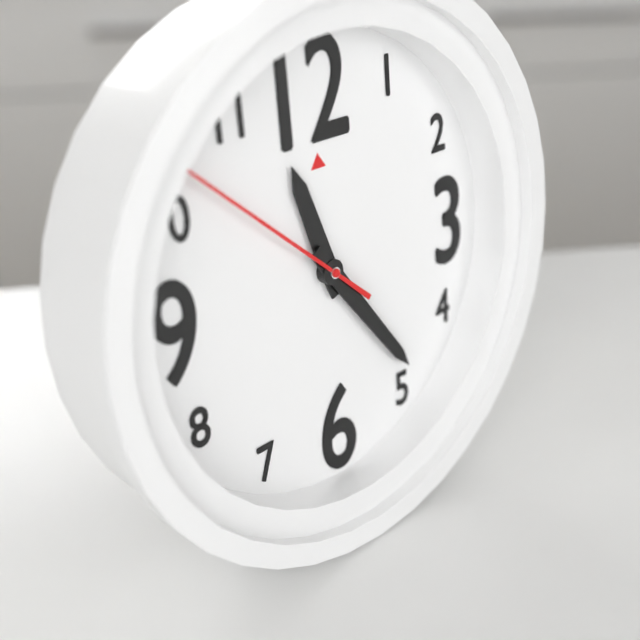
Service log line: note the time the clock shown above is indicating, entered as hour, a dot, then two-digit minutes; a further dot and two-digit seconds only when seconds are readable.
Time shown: 11.24.52
